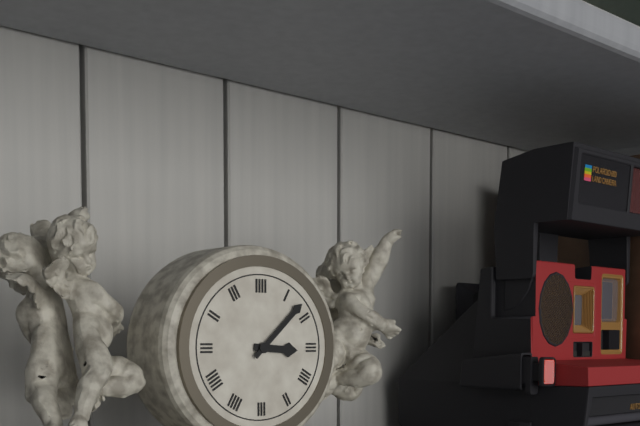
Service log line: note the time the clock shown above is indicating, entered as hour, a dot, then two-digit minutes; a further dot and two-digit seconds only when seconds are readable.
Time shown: 3.08
